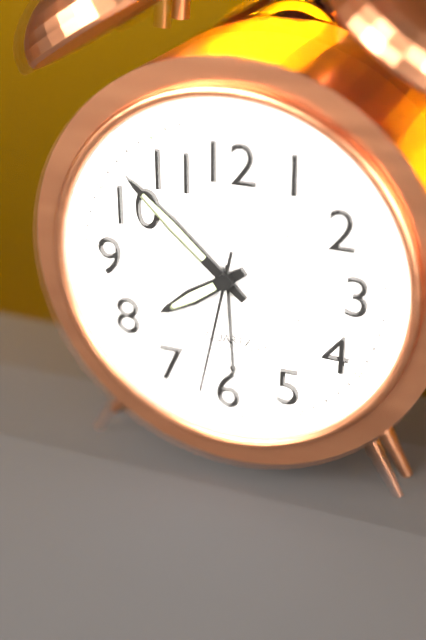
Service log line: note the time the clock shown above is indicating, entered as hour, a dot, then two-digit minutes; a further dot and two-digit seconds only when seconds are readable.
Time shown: 7.52.32
